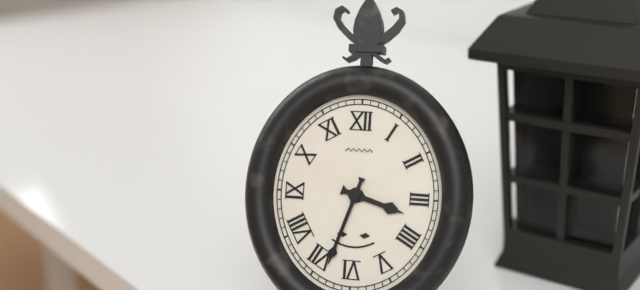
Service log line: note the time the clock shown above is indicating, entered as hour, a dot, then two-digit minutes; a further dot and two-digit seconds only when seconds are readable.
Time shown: 3.33
